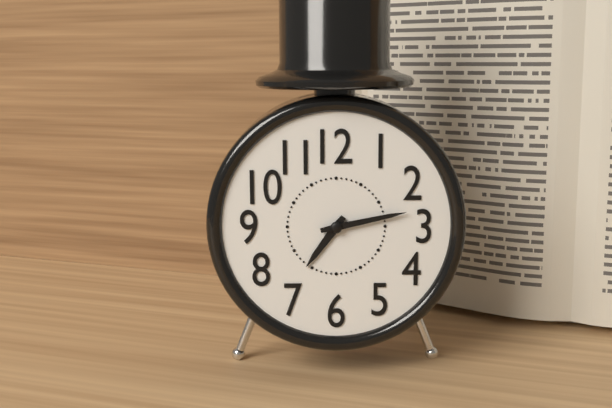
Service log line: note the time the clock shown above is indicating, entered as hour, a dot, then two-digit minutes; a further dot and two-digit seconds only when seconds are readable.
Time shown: 7.13
